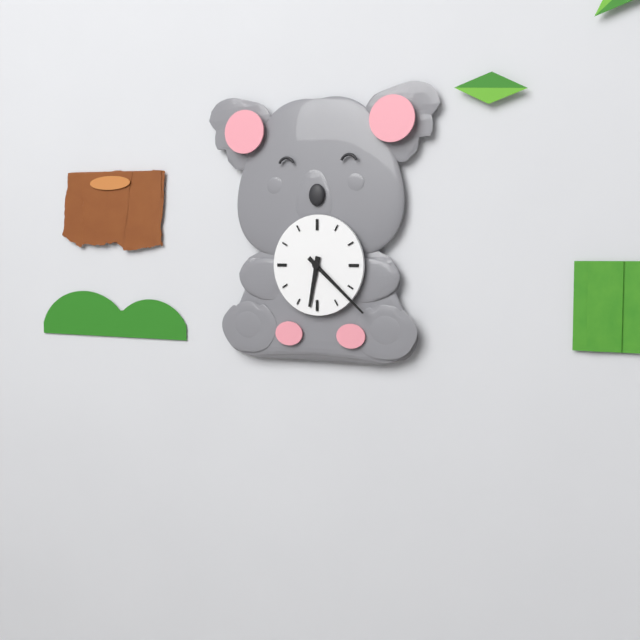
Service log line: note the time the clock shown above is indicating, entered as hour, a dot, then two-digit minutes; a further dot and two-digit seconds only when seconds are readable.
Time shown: 6.22
